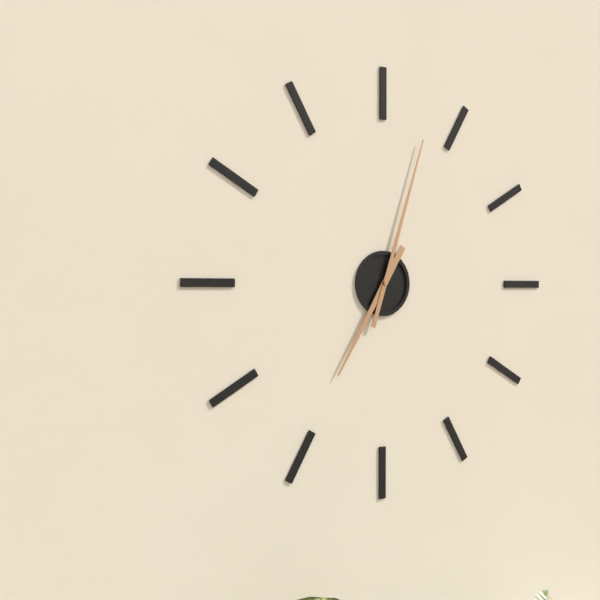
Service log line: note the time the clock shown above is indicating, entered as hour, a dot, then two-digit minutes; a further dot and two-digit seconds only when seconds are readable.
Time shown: 7.03
